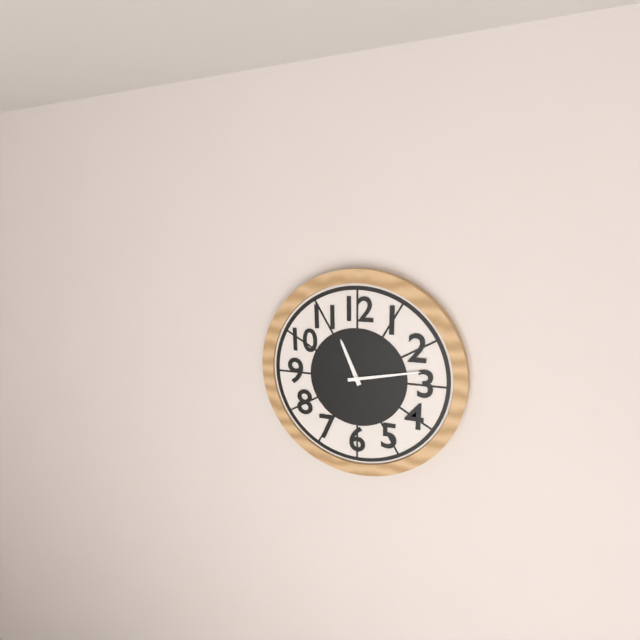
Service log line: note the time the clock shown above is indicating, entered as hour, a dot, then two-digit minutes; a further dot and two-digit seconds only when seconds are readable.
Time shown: 11.13
